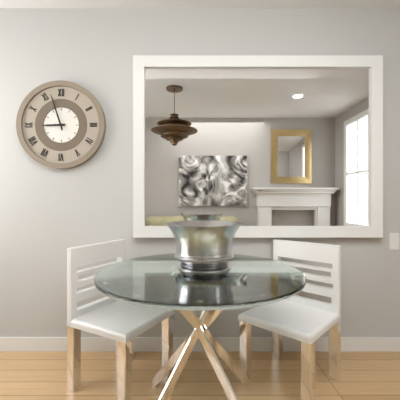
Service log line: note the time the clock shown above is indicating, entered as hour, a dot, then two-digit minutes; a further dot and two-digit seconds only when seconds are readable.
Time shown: 8.57
